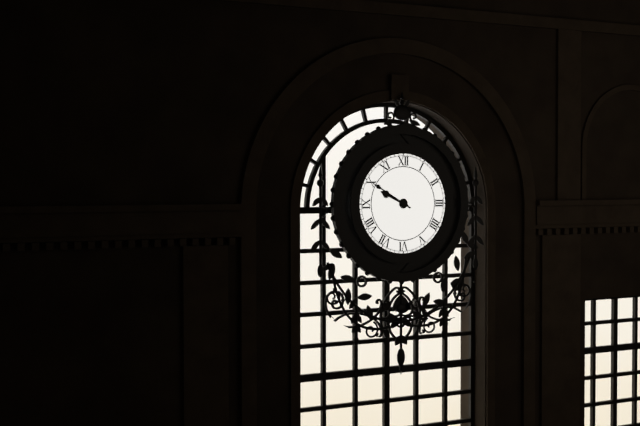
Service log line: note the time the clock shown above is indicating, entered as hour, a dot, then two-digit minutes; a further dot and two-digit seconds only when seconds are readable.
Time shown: 9.50
